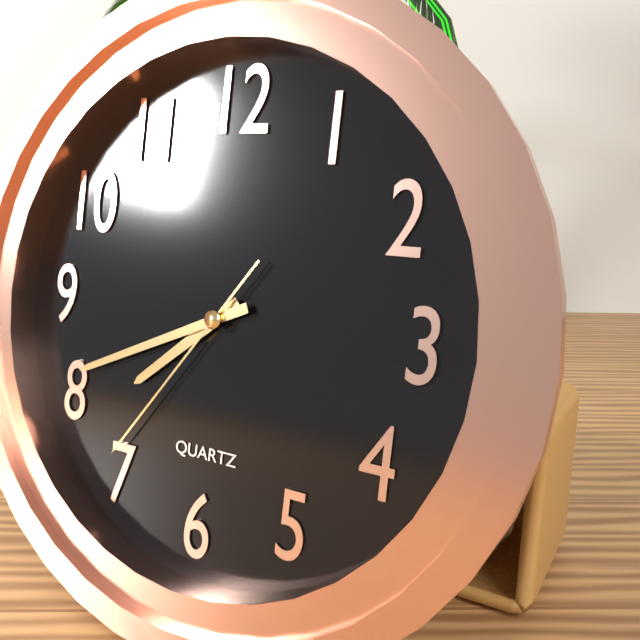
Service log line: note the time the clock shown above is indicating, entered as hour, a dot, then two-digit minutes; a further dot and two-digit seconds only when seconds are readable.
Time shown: 7.41.36
